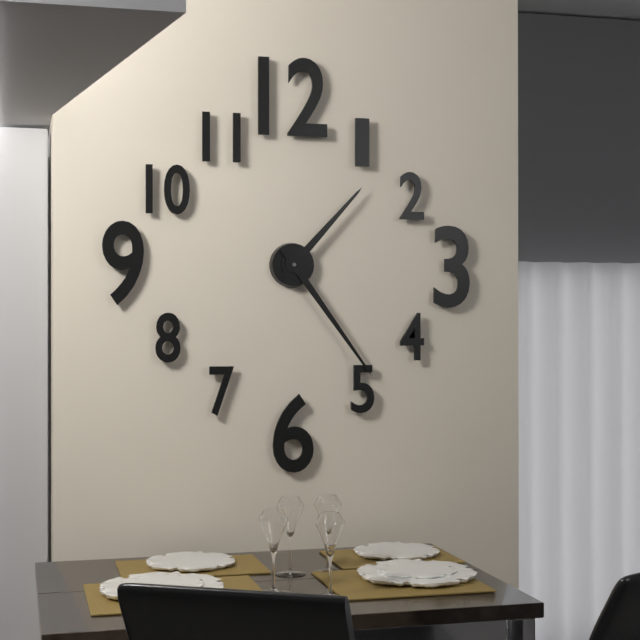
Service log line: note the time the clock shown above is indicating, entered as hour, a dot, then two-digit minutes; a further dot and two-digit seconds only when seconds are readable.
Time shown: 1.24
